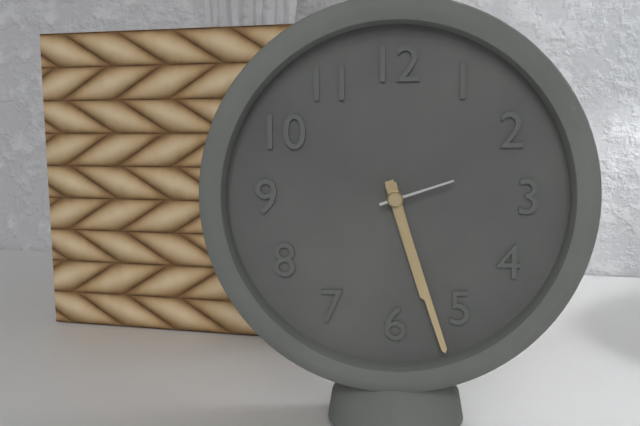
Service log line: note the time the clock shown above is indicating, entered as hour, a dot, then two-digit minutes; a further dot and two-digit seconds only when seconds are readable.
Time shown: 5.27.12
